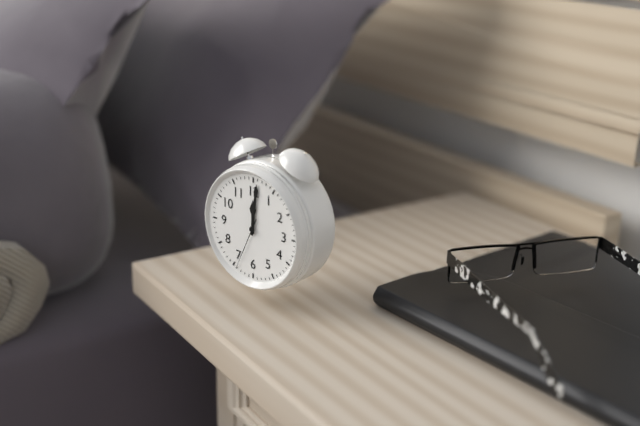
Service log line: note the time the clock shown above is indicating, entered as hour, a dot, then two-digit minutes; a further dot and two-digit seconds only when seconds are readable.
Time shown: 12.01.34
